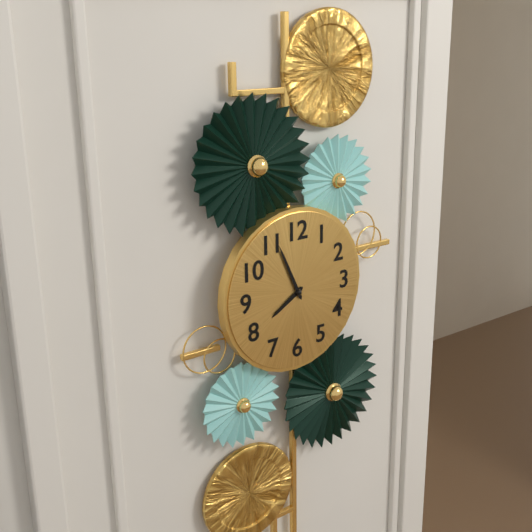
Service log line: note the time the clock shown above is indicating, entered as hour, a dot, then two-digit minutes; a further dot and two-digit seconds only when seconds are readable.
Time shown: 7.56
